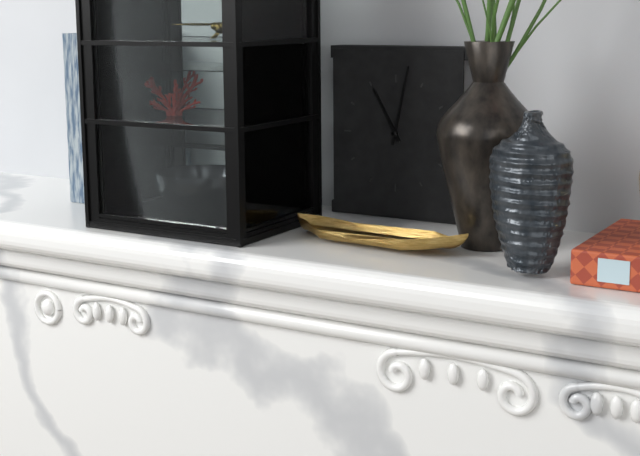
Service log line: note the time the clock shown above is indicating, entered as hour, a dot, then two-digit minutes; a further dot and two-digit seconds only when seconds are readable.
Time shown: 11.02
